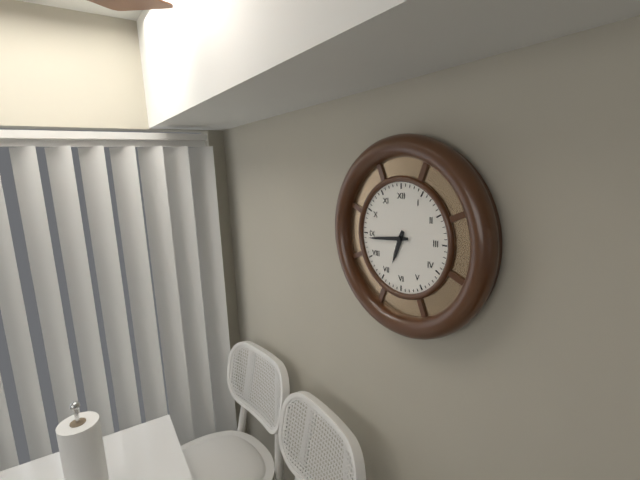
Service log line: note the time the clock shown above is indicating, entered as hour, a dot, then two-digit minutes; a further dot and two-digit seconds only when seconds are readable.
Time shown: 6.44
